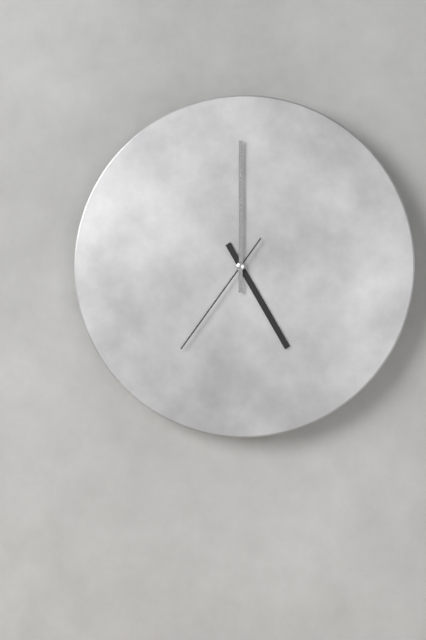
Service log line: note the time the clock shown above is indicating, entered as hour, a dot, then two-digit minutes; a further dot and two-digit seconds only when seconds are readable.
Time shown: 5.00.36
